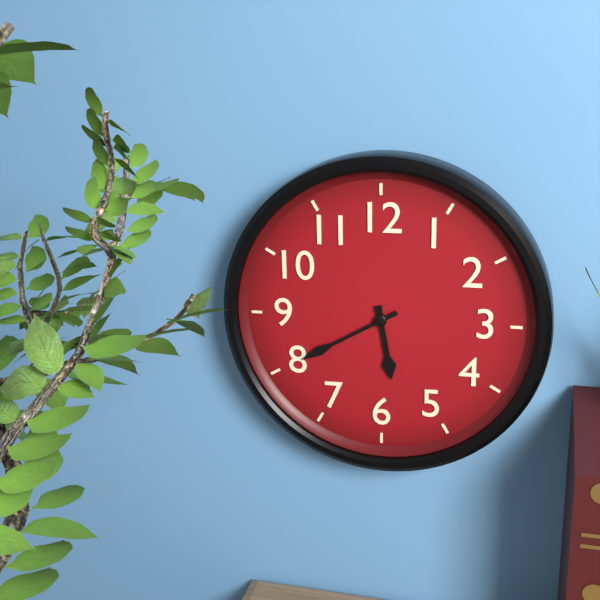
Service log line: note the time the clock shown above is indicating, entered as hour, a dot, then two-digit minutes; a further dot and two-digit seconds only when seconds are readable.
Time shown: 5.40
